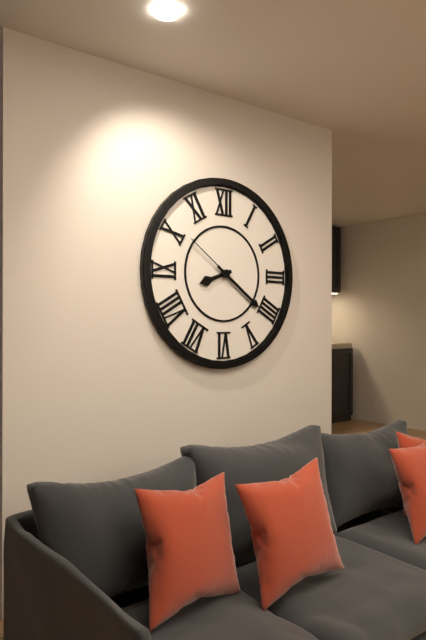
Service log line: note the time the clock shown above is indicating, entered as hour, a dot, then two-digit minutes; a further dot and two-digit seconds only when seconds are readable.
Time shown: 8.21.51
